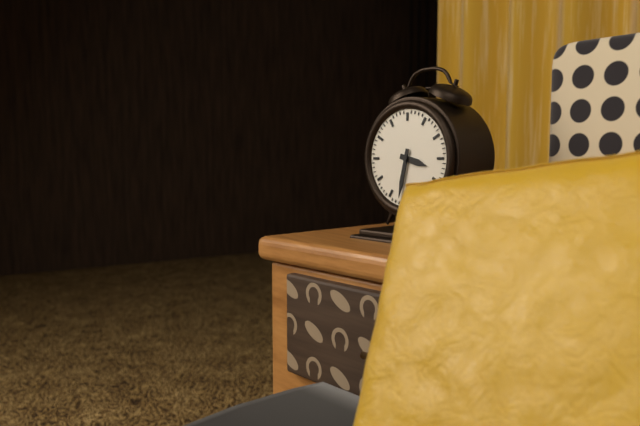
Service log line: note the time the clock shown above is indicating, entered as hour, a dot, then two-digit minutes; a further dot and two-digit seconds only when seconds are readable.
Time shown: 3.32
